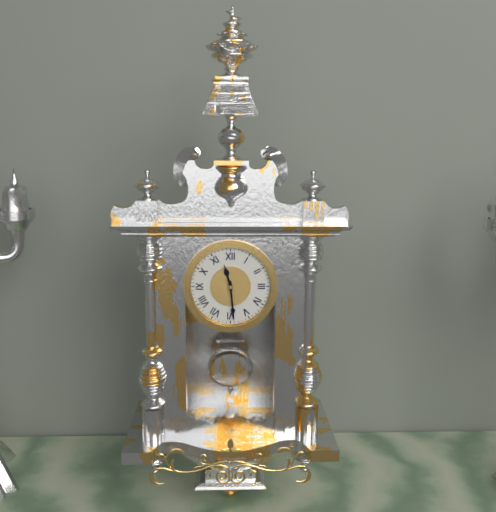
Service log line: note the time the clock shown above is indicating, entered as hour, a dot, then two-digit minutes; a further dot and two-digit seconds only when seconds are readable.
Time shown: 11.29
